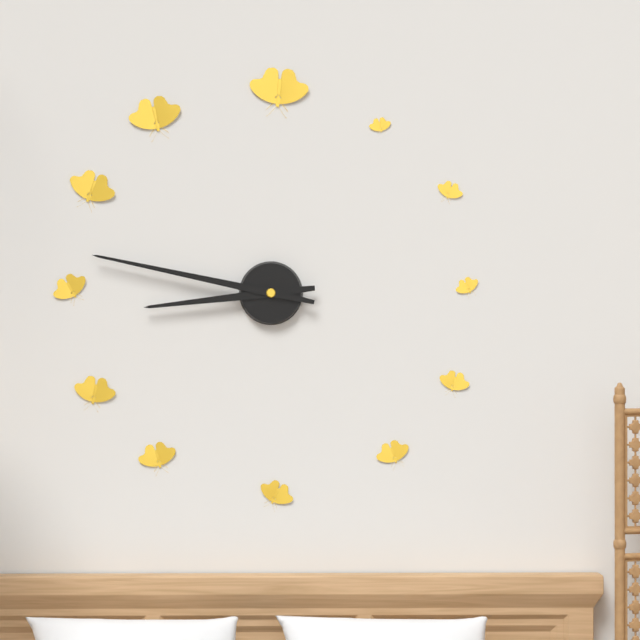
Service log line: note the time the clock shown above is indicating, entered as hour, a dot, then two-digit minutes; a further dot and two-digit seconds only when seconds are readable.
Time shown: 8.47
